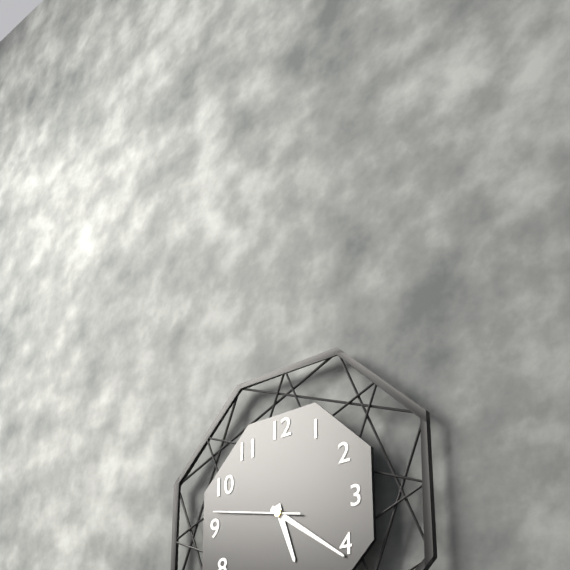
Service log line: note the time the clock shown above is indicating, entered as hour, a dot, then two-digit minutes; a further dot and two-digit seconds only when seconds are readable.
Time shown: 5.21.47
